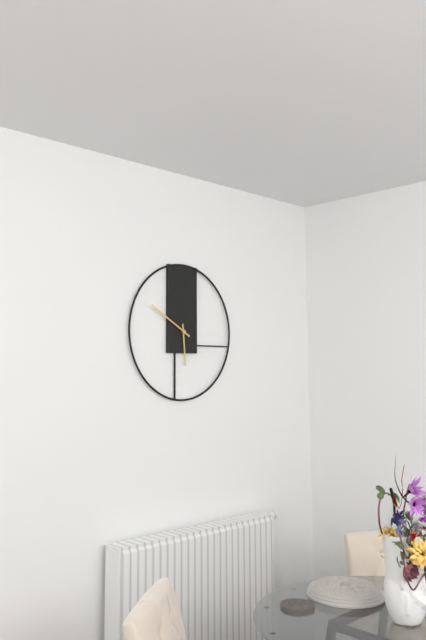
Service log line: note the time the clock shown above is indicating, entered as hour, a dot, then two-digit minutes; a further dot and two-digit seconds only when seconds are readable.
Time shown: 5.50
